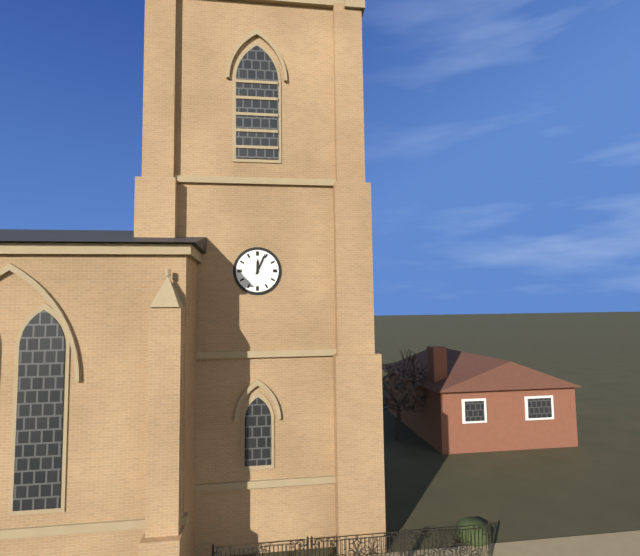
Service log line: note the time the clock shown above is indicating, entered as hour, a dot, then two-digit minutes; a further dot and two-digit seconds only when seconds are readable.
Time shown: 12.04
